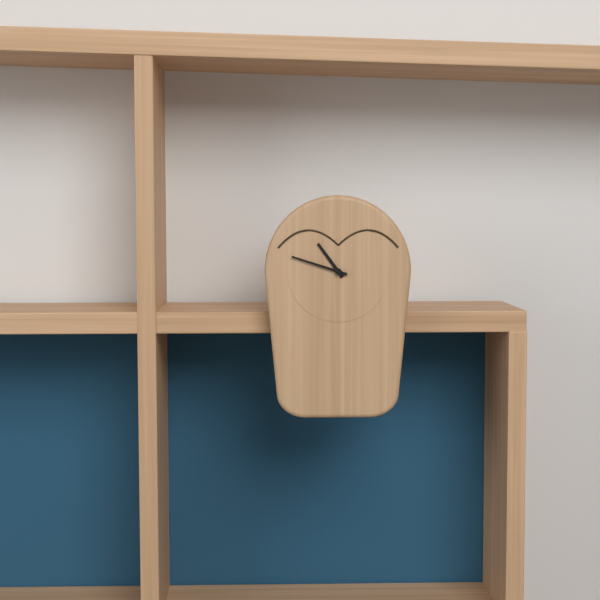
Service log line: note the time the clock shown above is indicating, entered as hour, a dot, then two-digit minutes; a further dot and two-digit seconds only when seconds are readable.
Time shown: 10.48
